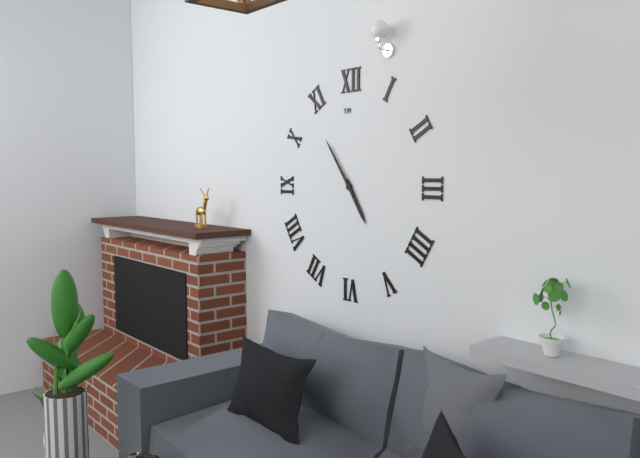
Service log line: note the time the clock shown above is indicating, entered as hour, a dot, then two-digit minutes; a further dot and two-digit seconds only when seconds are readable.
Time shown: 4.54
